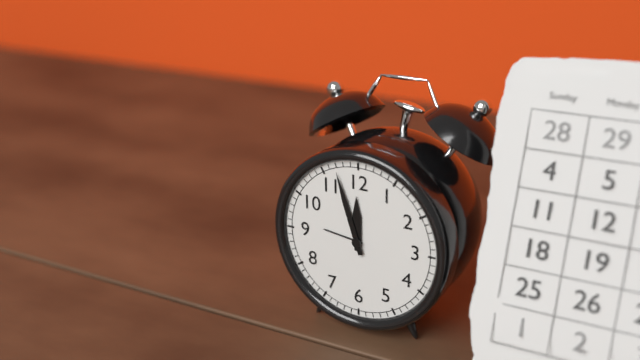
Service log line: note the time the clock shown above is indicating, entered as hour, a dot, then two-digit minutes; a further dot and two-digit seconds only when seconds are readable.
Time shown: 11.57
